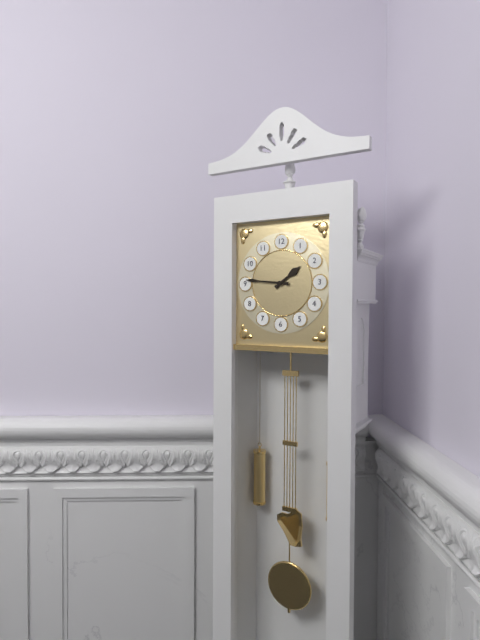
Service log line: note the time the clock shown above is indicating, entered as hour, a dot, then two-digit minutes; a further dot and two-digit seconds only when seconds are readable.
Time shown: 1.46
